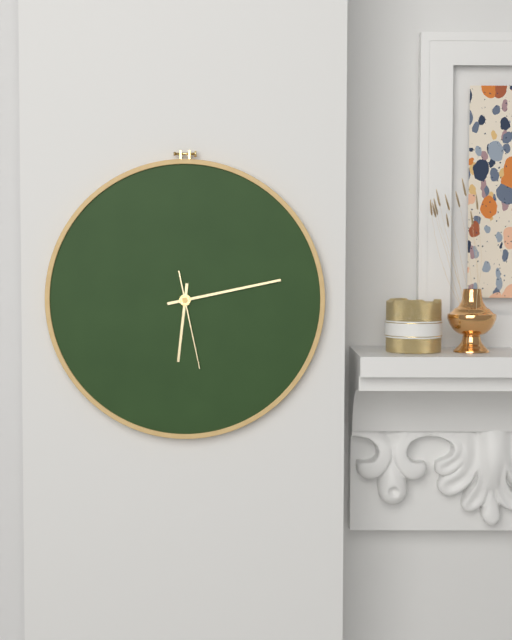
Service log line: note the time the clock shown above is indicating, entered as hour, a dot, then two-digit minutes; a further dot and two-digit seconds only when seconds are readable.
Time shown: 6.13.28
